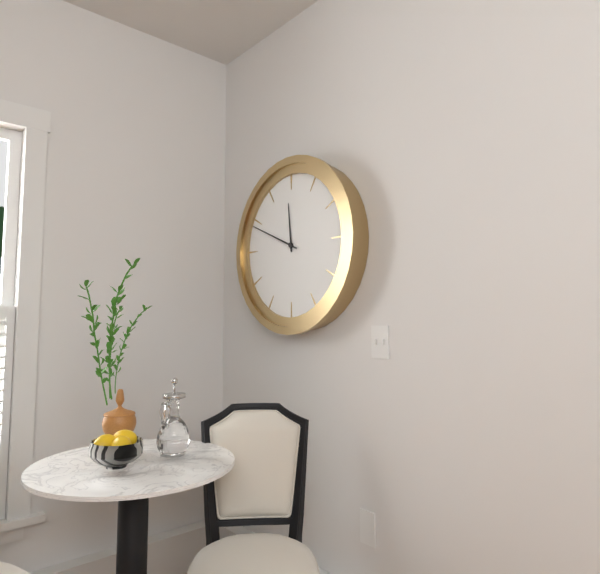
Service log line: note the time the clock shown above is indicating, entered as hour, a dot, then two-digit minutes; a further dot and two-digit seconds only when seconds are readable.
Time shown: 11.49
